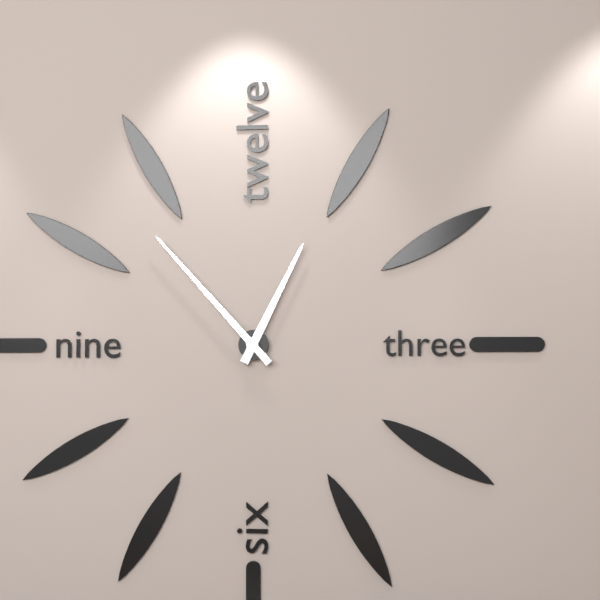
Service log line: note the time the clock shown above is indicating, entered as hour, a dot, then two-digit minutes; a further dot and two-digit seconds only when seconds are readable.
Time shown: 12.53
